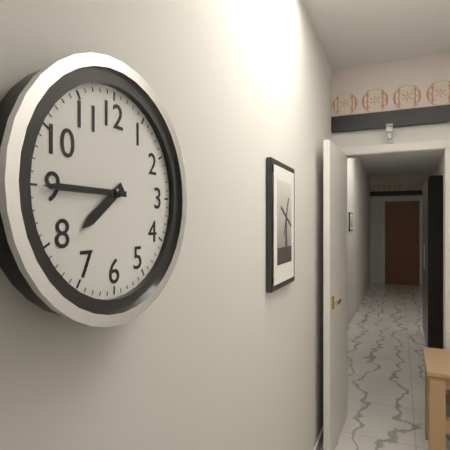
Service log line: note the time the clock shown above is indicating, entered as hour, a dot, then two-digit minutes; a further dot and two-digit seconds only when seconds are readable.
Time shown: 7.45
